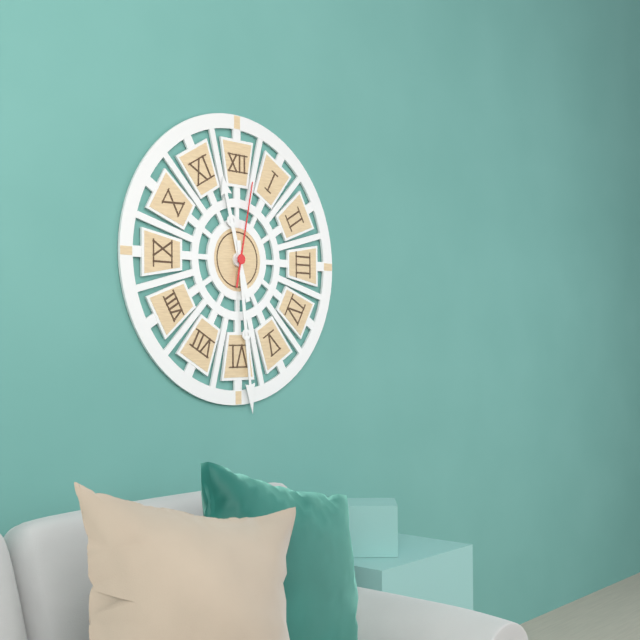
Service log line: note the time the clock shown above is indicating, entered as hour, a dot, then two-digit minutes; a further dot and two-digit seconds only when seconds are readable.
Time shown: 11.29.02
